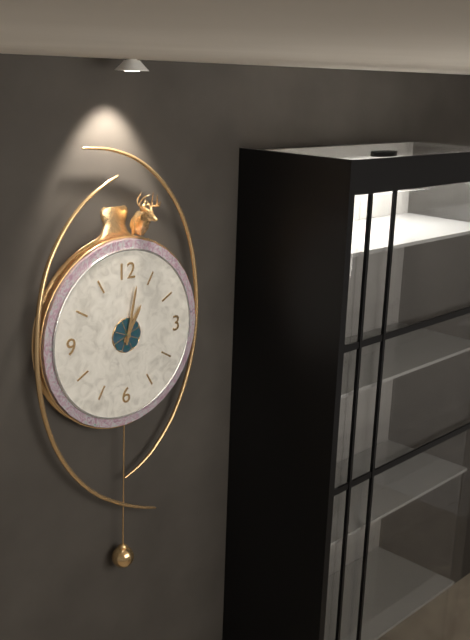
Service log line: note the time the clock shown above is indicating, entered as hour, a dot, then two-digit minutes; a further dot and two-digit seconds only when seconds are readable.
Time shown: 1.02
